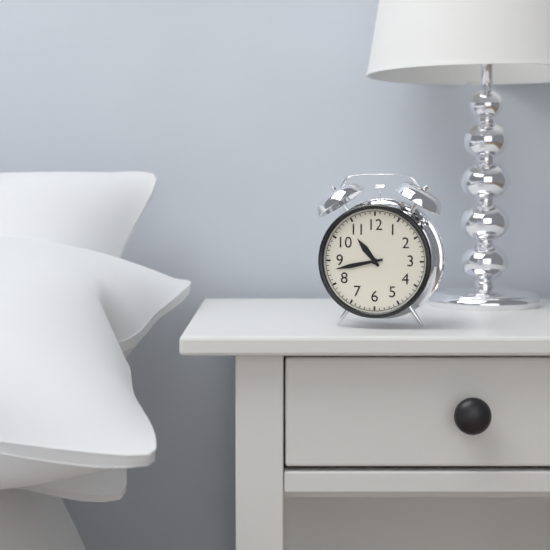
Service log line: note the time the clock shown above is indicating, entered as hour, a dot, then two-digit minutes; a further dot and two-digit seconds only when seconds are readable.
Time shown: 10.43
